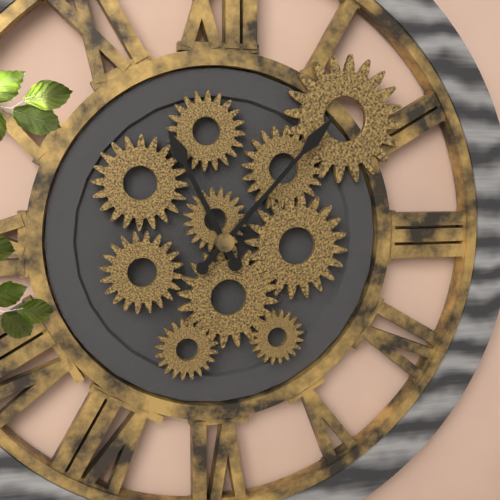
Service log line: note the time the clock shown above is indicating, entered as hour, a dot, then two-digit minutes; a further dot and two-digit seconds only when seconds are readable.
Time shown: 11.07
